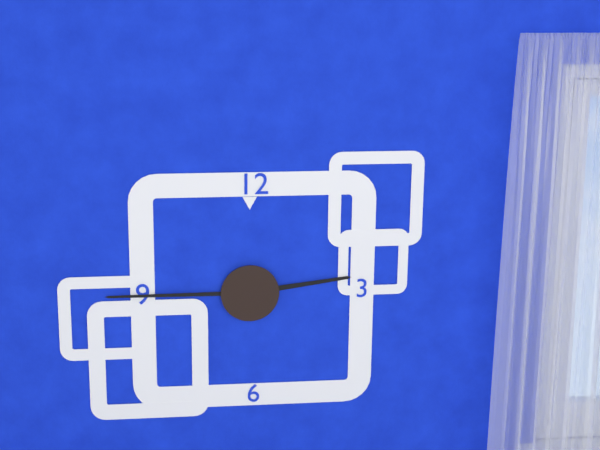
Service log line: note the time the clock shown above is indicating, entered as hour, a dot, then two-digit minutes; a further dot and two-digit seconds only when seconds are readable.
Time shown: 2.45
